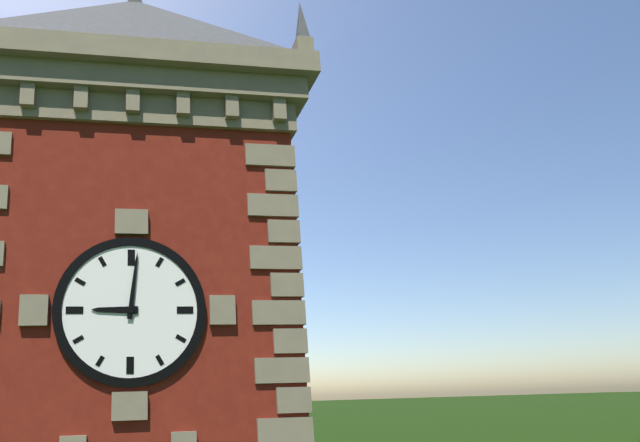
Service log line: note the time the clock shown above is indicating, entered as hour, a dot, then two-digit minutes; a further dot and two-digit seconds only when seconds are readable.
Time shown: 9.01
